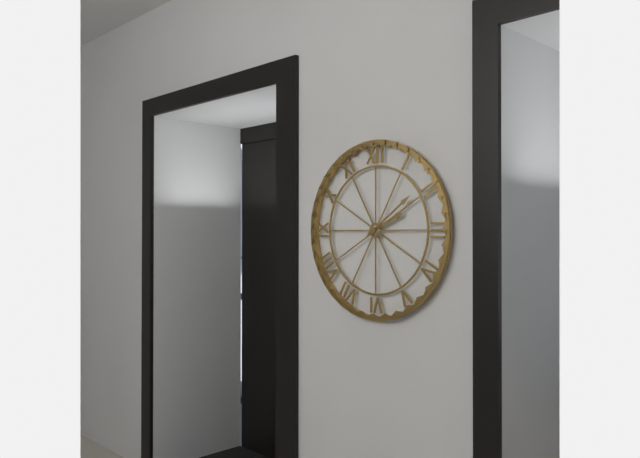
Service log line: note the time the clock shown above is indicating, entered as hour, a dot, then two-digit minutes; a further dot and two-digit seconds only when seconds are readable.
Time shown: 2.09
